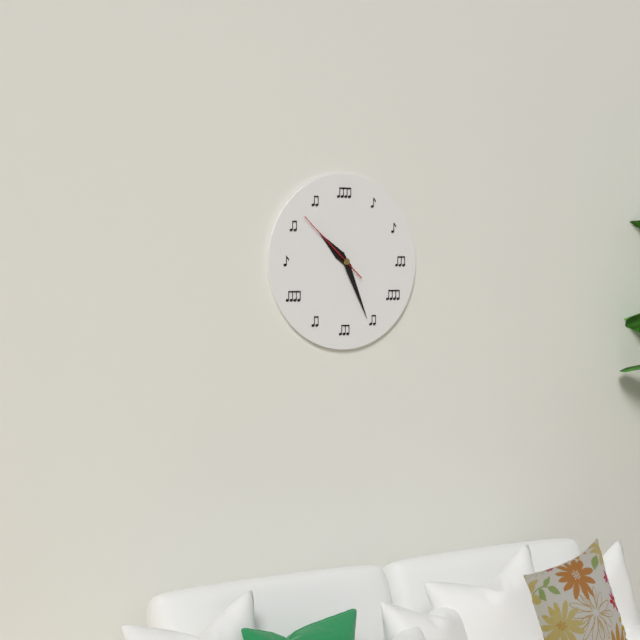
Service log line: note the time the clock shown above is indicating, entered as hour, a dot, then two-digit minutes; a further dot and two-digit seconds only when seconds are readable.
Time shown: 10.26.52
